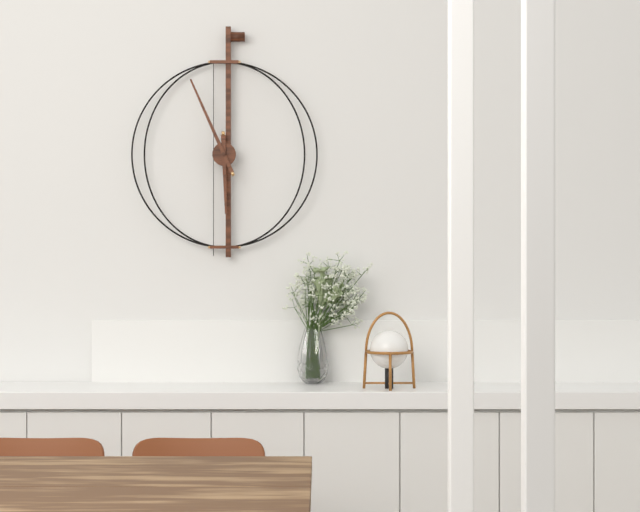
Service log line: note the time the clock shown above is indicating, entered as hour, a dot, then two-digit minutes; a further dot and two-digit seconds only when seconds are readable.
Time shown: 5.56
